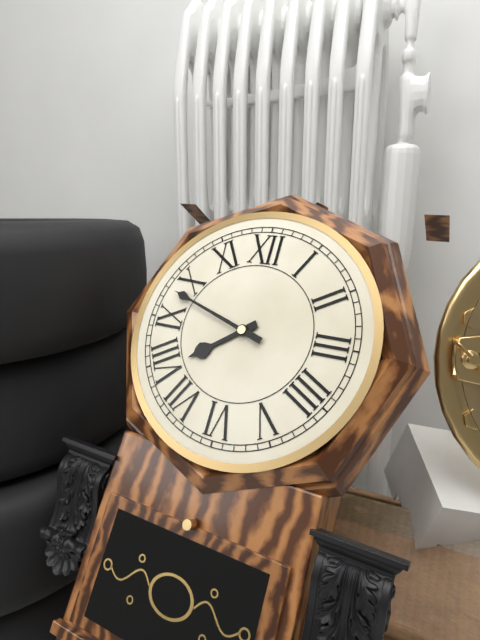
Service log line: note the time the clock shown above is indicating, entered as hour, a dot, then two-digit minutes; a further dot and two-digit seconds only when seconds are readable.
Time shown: 7.48
